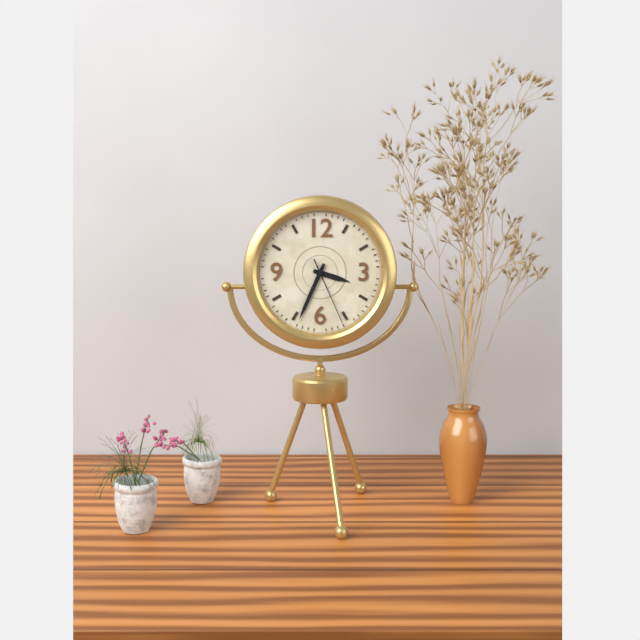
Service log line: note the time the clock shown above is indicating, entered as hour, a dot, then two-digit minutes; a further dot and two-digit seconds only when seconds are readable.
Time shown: 3.34.26
